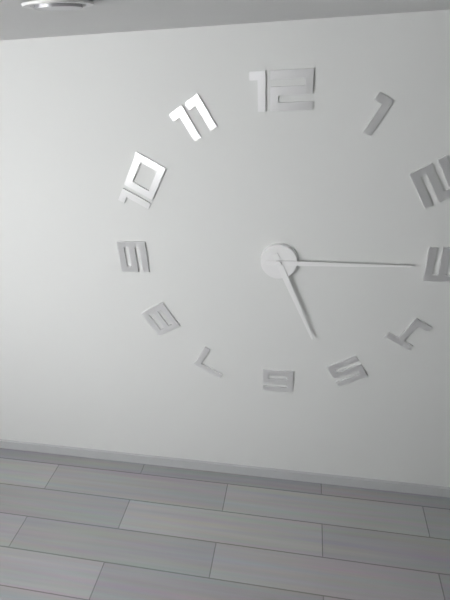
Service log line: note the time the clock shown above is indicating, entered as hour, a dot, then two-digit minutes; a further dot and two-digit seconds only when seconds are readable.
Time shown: 5.15
